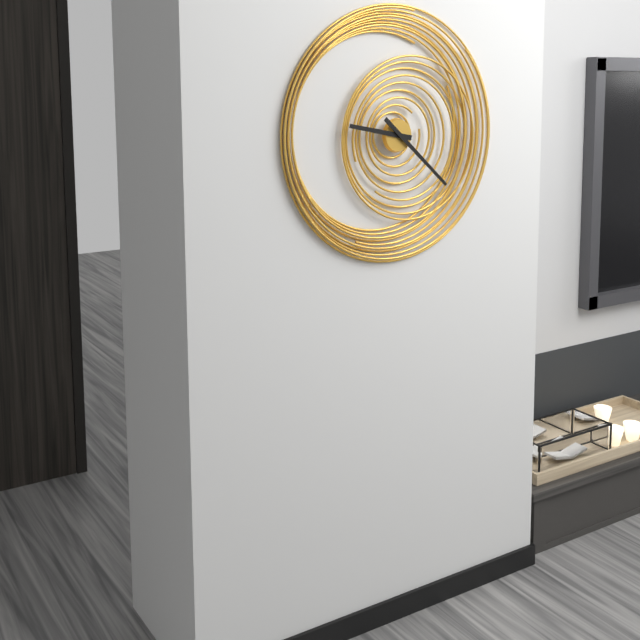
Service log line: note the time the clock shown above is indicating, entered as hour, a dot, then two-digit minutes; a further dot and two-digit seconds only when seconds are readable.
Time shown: 9.22
